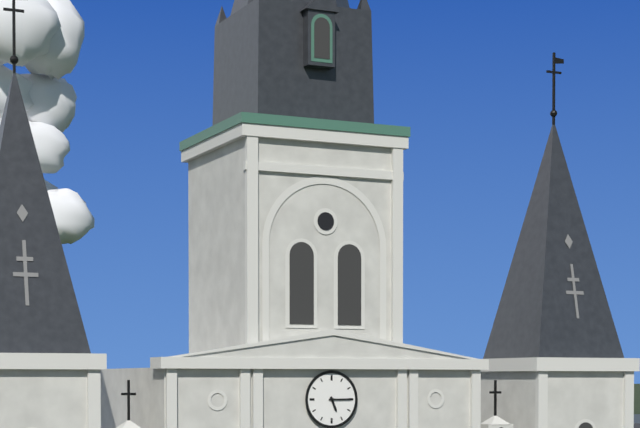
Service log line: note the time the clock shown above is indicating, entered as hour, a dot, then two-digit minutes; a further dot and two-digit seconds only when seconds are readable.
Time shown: 5.15
